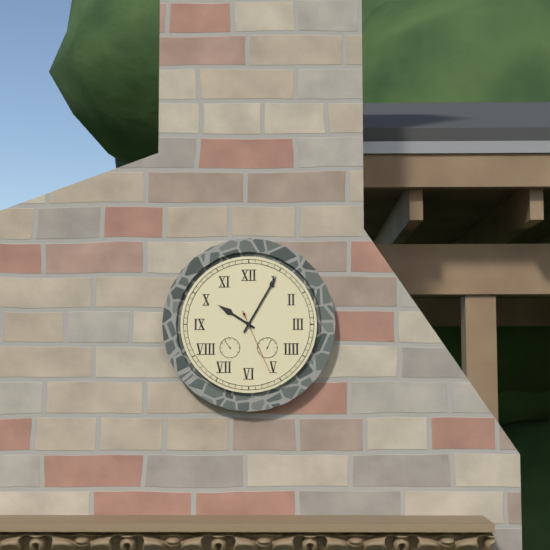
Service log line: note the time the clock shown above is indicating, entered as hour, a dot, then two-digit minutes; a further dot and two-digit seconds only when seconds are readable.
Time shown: 10.05.26
